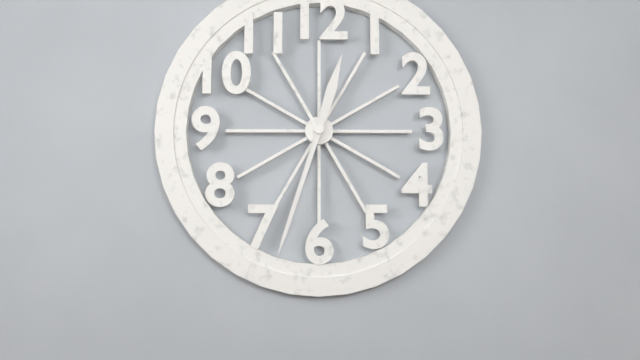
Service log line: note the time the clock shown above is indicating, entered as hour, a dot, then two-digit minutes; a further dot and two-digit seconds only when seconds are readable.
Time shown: 12.33
